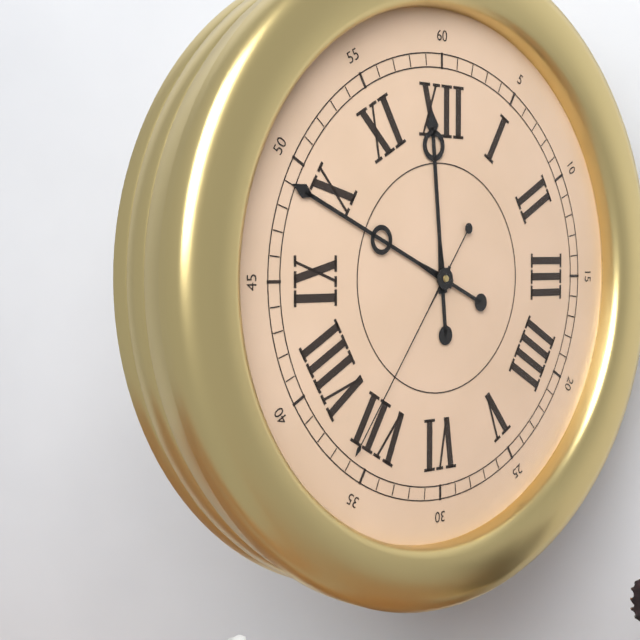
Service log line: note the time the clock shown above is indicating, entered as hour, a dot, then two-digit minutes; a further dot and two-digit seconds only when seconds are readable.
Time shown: 11.49.36
